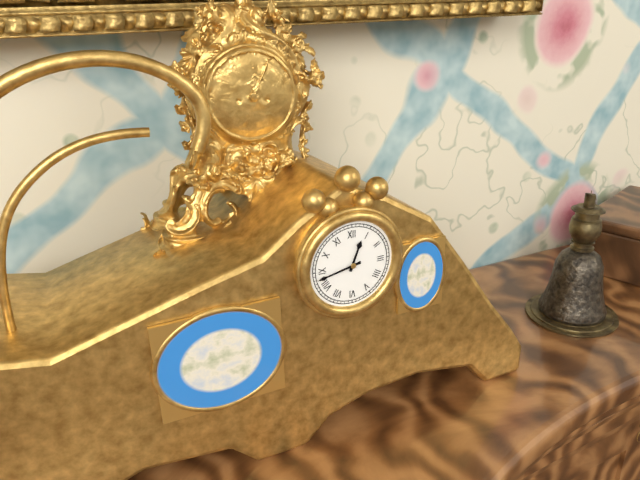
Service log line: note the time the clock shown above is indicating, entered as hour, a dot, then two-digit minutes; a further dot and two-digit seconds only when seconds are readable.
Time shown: 12.43
